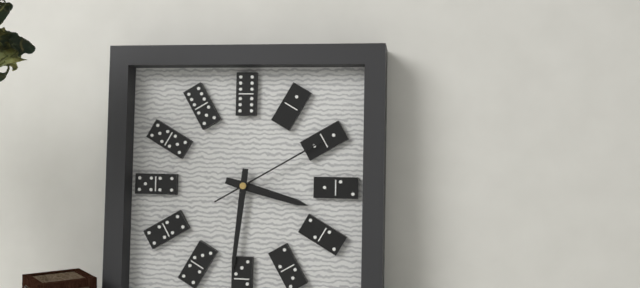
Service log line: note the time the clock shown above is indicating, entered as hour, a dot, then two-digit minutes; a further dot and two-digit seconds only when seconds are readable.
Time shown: 3.31.10
